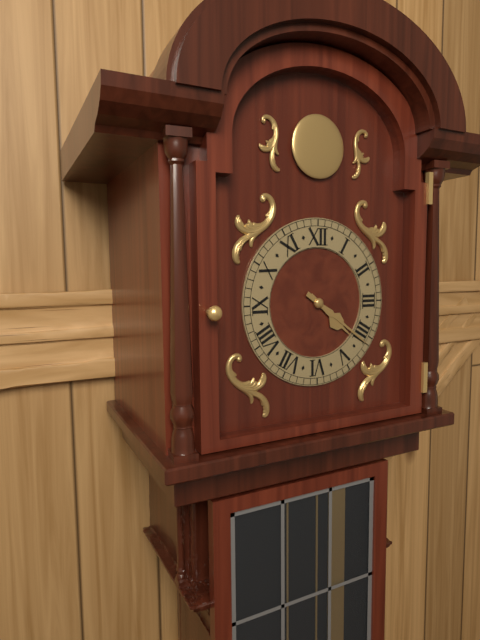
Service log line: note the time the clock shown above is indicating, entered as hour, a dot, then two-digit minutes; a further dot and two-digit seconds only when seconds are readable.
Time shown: 4.21
